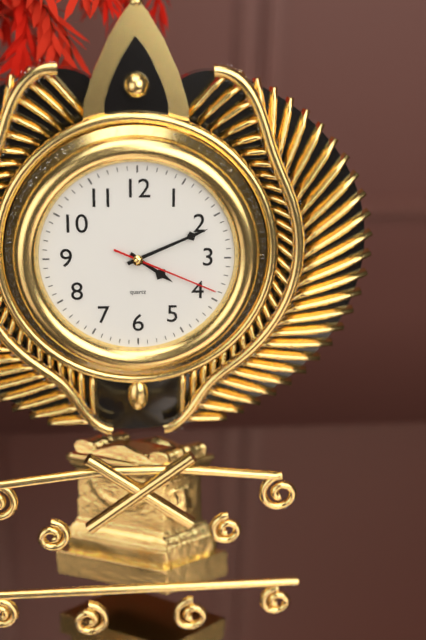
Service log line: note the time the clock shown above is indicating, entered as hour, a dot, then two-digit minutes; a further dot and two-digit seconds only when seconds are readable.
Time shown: 4.11.19
